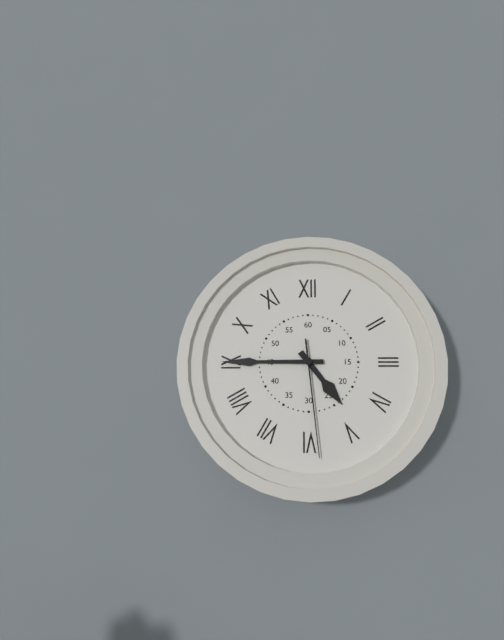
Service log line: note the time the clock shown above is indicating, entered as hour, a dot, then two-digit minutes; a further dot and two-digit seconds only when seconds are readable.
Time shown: 4.45.29
